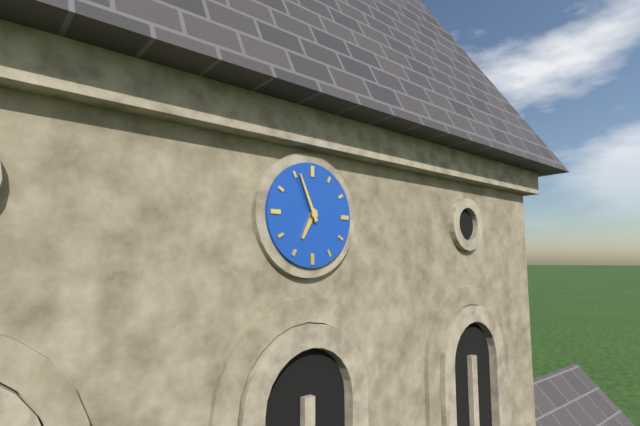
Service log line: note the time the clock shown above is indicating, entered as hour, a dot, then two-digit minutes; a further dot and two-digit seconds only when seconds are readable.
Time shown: 6.56
